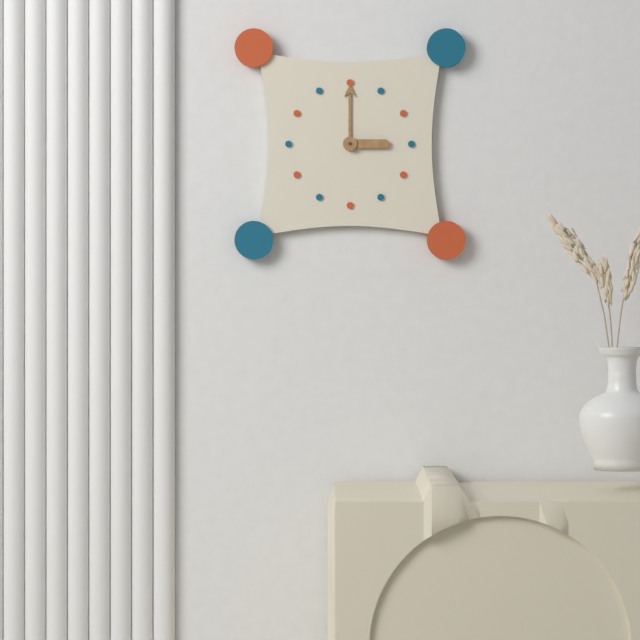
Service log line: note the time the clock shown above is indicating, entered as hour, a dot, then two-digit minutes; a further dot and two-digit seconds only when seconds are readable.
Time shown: 3.00
